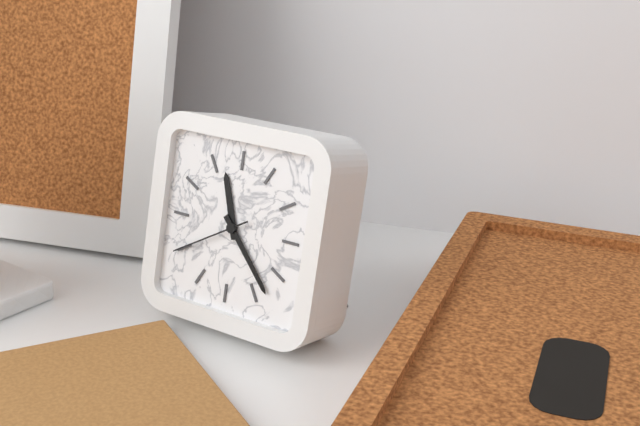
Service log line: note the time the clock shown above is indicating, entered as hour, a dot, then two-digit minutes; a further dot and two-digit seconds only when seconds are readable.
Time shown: 11.23.40
